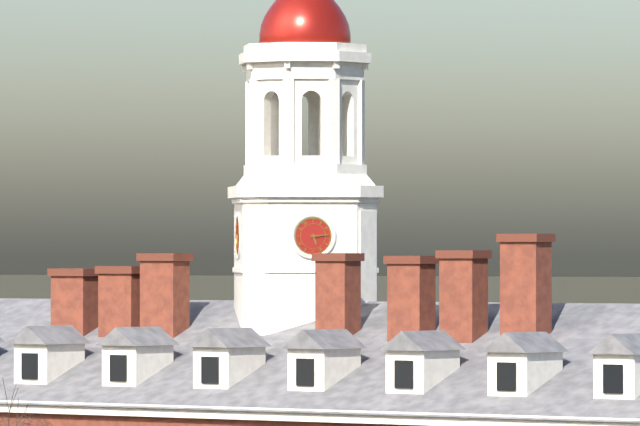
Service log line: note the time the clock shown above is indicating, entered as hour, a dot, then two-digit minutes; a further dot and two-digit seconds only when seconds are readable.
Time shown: 5.14
